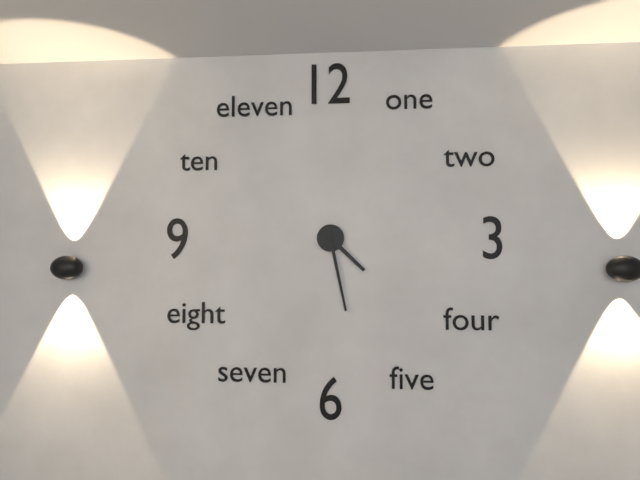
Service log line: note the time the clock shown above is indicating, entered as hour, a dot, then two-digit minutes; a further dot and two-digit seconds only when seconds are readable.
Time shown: 4.28
